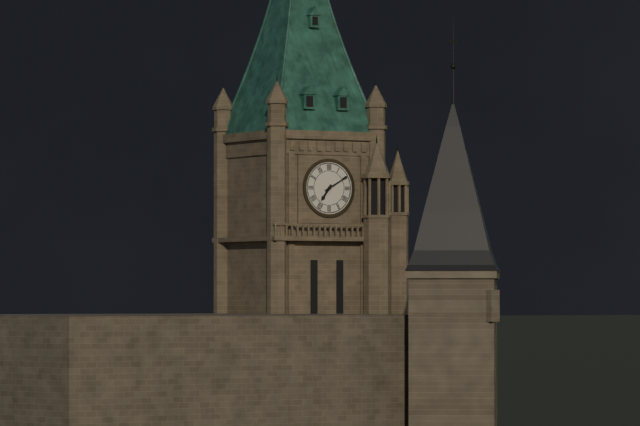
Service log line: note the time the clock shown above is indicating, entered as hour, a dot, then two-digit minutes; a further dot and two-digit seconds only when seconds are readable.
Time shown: 7.10
